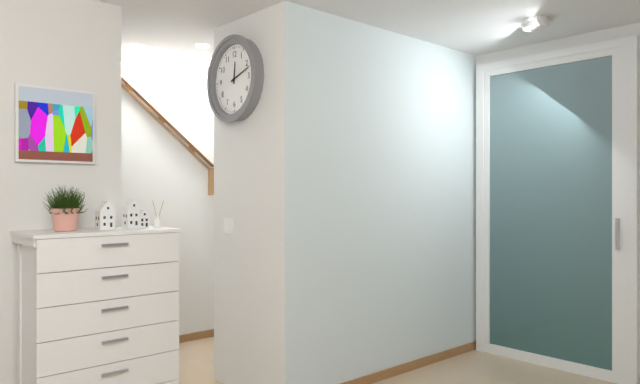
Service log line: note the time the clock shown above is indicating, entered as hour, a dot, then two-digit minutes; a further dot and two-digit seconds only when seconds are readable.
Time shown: 12.12
